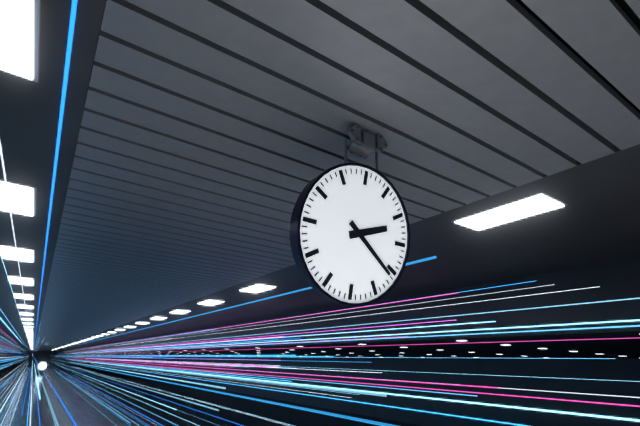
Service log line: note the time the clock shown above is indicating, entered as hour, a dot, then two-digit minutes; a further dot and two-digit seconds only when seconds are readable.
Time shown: 2.21
